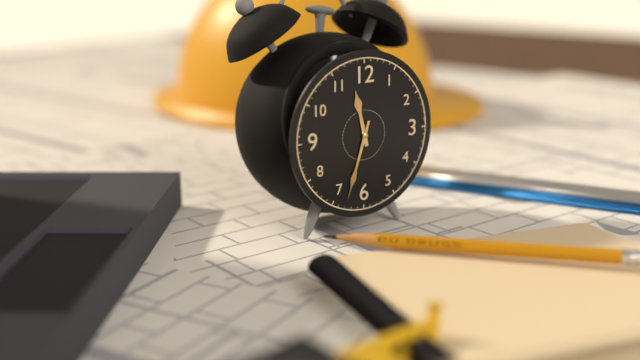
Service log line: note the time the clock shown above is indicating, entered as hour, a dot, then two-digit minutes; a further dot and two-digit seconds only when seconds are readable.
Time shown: 11.33
